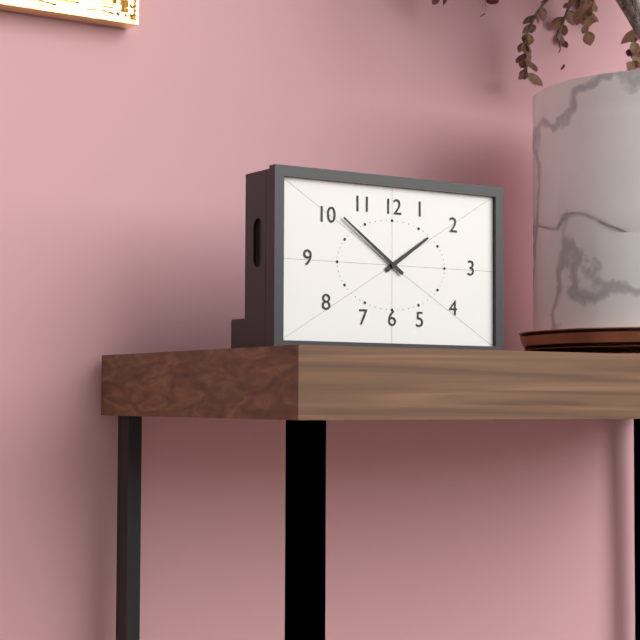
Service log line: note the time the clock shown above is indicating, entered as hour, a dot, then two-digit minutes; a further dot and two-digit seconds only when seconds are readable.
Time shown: 1.51
